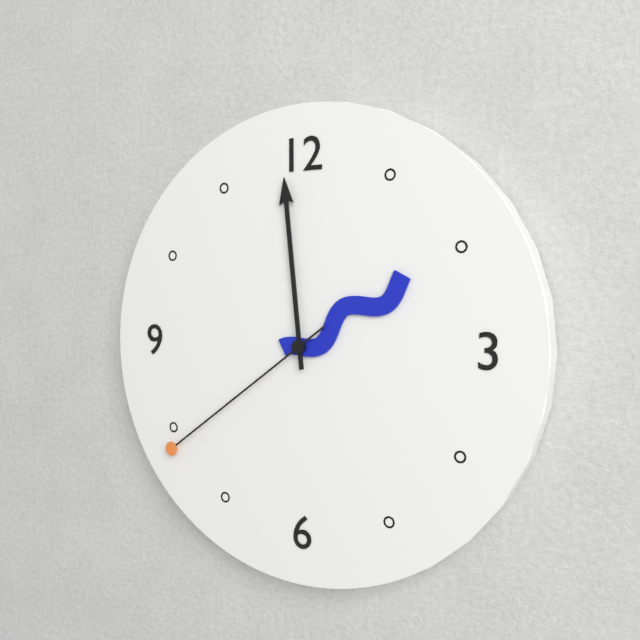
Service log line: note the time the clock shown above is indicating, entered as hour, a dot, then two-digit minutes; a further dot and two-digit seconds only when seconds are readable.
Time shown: 1.59.39
